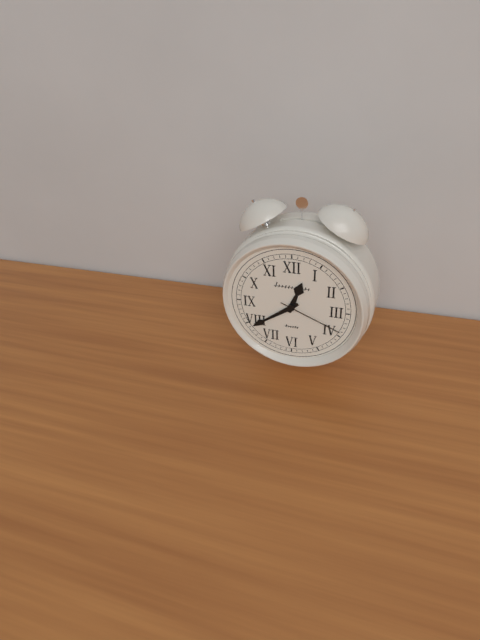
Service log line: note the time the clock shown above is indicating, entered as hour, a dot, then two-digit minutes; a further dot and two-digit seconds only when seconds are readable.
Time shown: 12.39.19
